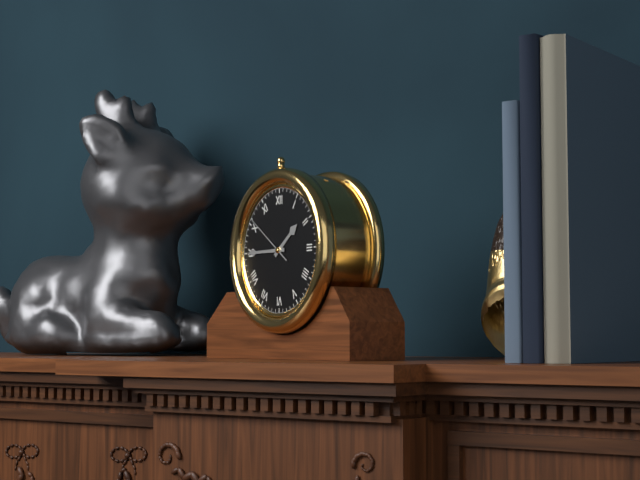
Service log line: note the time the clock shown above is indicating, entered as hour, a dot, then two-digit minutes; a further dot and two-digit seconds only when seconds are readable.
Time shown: 1.45.51
